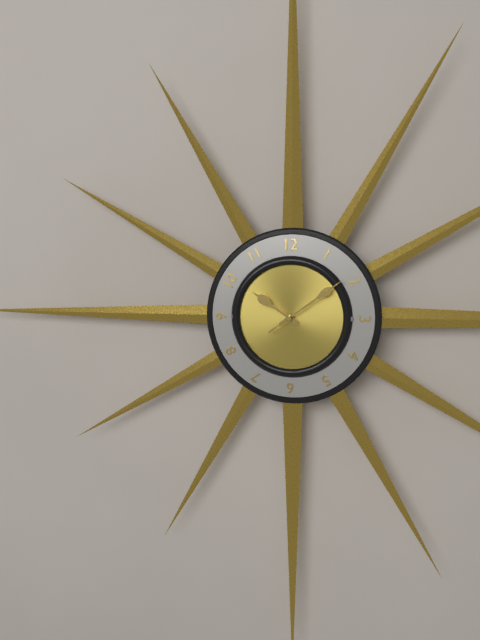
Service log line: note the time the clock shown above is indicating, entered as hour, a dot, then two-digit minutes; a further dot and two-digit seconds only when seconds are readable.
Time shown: 10.09.09
